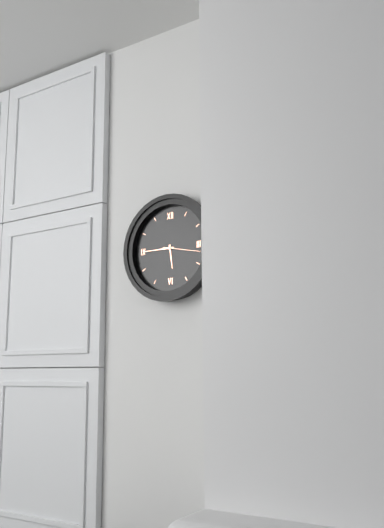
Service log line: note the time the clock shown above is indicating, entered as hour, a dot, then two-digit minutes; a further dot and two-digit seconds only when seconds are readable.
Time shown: 5.45
